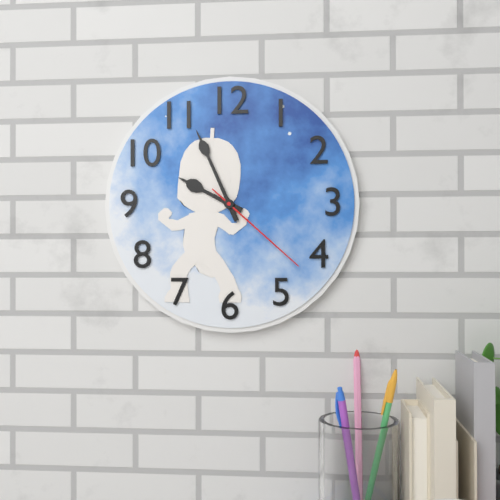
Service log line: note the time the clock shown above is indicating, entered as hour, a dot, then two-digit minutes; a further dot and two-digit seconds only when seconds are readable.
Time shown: 9.56.22
